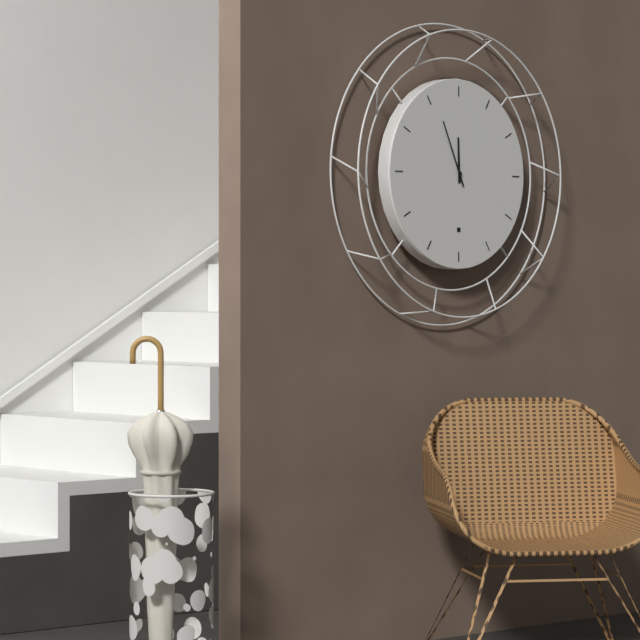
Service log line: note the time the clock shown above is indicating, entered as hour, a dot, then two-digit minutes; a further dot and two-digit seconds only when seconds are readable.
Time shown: 11.56
